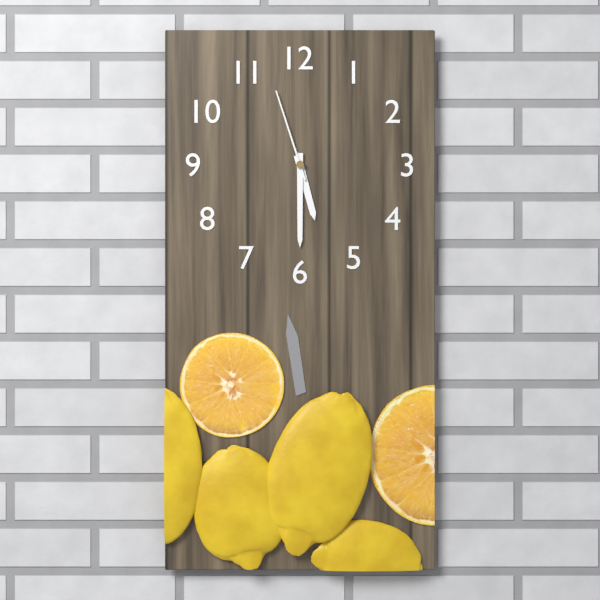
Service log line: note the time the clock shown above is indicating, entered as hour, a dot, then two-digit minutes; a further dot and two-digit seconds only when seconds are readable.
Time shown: 5.30.57
